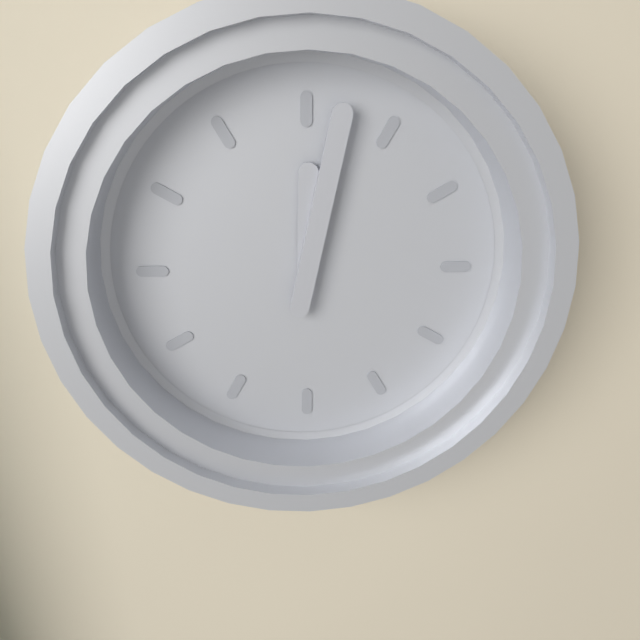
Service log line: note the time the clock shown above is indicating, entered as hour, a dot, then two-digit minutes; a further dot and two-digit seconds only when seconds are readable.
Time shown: 12.02
